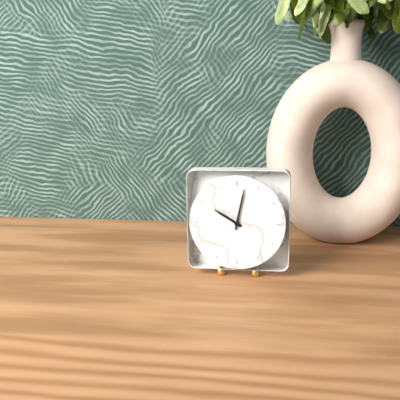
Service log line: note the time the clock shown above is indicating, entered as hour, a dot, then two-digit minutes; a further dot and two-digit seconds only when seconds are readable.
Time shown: 10.02
